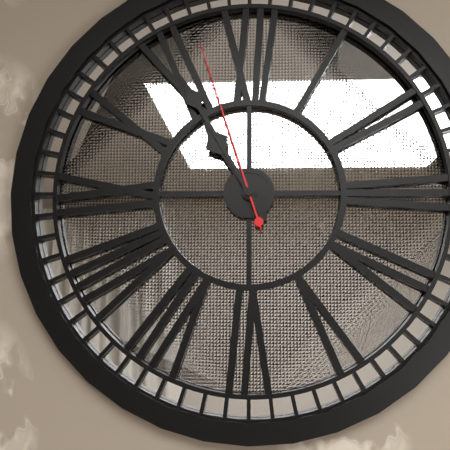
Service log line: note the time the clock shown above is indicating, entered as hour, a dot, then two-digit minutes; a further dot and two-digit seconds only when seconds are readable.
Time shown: 10.55.57
